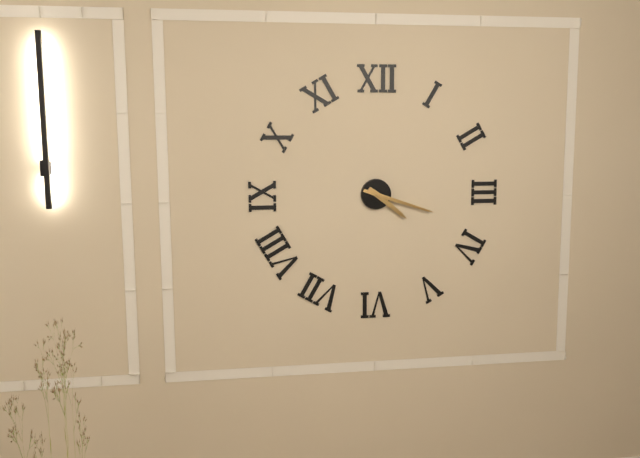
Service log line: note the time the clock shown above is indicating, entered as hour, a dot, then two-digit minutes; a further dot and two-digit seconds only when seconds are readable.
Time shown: 4.18
